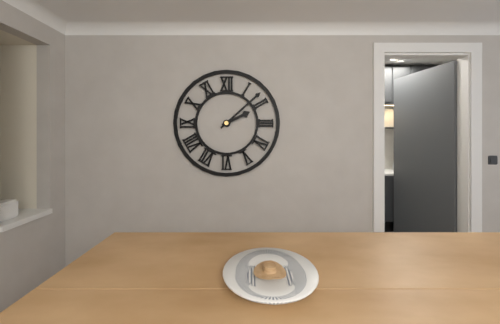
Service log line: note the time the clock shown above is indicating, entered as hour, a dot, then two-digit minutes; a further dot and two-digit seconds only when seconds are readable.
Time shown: 2.08
